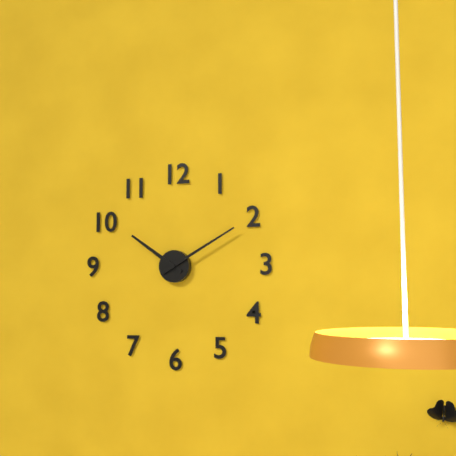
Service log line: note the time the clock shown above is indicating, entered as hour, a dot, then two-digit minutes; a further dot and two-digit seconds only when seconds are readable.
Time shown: 10.10
